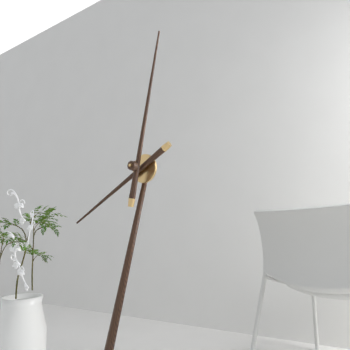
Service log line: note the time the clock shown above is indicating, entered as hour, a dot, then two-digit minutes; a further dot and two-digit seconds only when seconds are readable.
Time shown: 8.02
